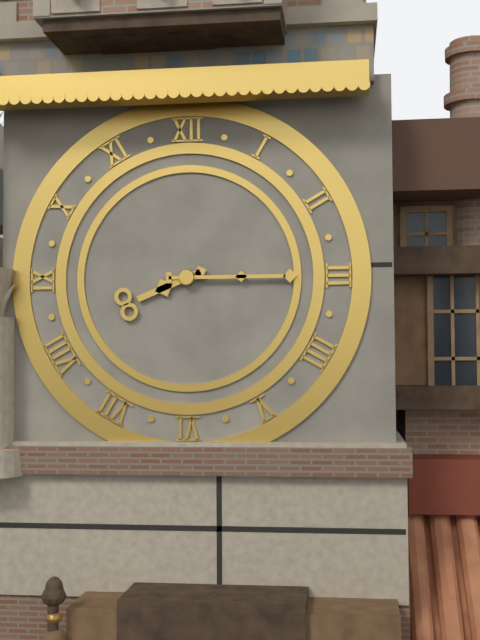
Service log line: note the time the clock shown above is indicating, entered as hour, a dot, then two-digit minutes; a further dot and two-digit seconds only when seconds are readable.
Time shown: 8.15
